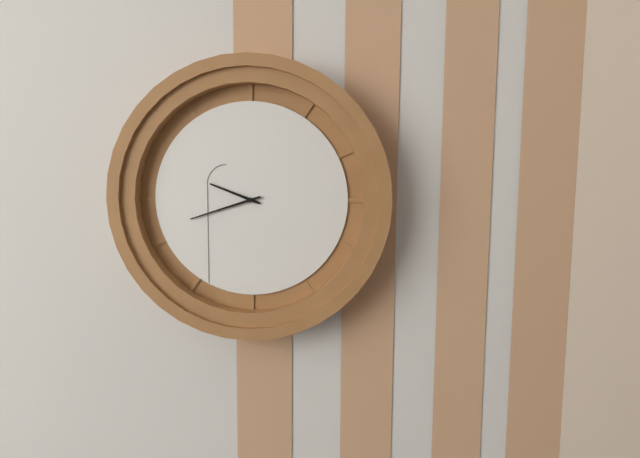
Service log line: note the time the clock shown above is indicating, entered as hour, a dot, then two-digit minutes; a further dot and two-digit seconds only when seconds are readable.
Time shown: 9.42
